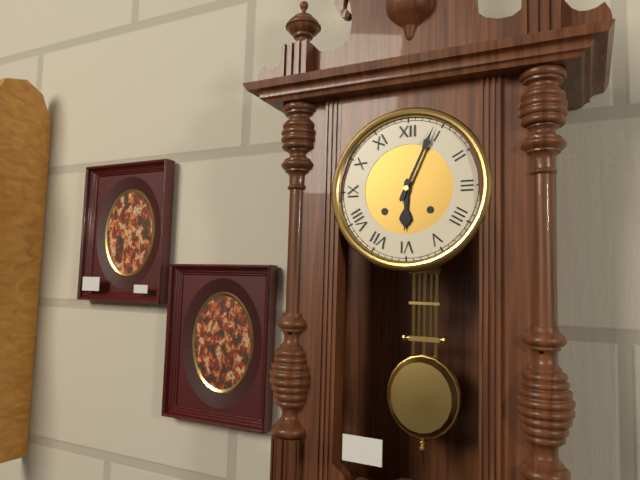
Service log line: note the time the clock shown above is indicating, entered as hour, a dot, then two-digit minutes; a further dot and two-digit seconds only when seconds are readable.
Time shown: 6.04
